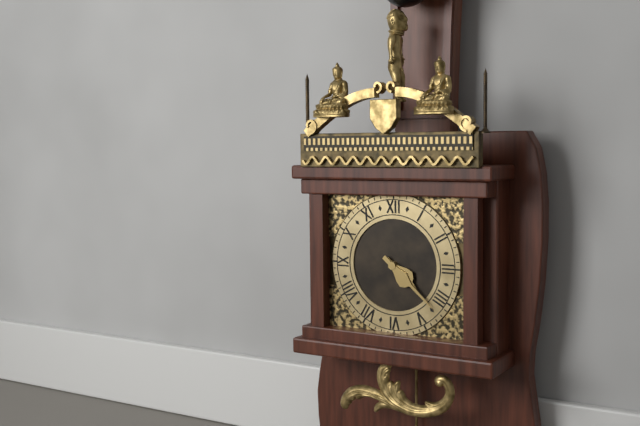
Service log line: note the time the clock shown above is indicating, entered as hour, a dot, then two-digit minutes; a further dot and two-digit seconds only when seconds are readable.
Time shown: 4.22
